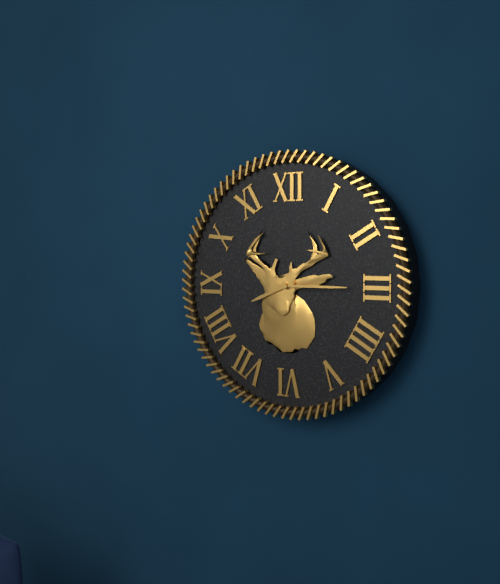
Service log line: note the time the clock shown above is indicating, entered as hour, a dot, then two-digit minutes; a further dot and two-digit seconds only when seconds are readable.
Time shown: 8.15
